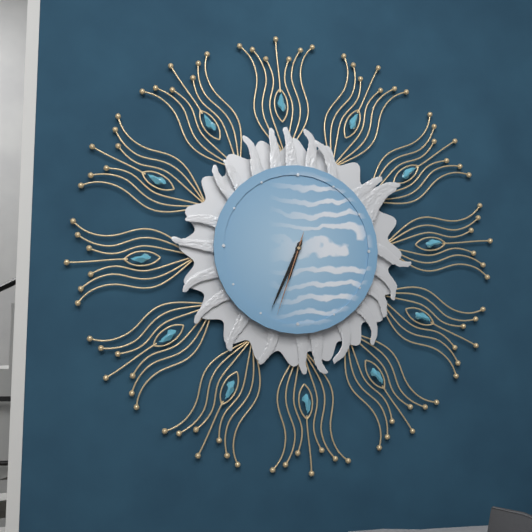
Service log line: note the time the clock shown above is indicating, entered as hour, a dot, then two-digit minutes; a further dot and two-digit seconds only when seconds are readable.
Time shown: 6.34.33
